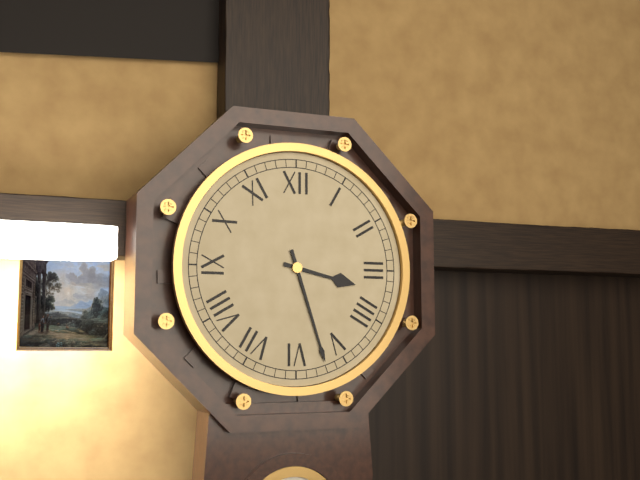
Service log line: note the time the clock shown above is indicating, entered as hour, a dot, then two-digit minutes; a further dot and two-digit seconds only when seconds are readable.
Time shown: 3.27
